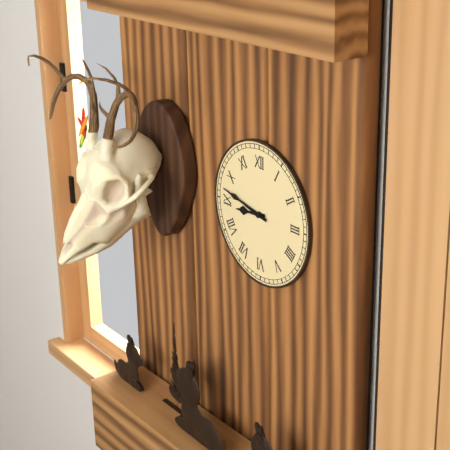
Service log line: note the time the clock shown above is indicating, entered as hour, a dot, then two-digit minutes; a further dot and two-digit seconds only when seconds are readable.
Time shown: 8.47
